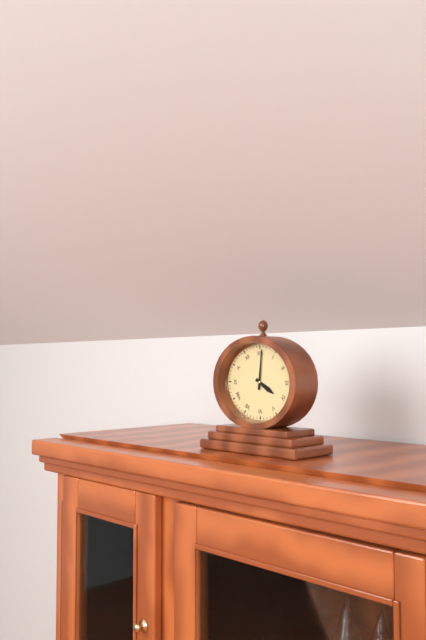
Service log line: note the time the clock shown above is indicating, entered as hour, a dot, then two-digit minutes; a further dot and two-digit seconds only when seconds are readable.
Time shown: 4.01
